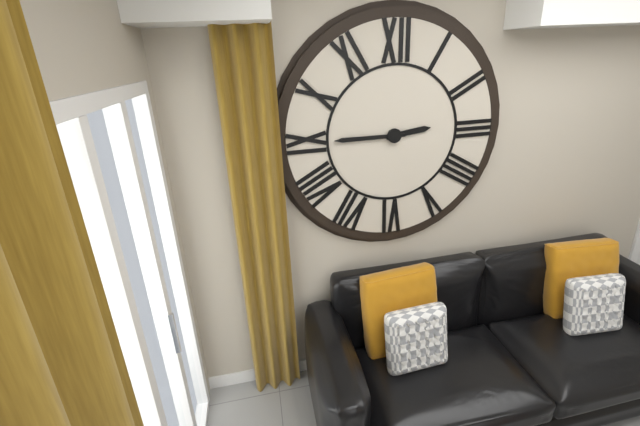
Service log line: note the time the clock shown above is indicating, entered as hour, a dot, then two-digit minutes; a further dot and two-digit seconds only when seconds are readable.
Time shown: 2.45
